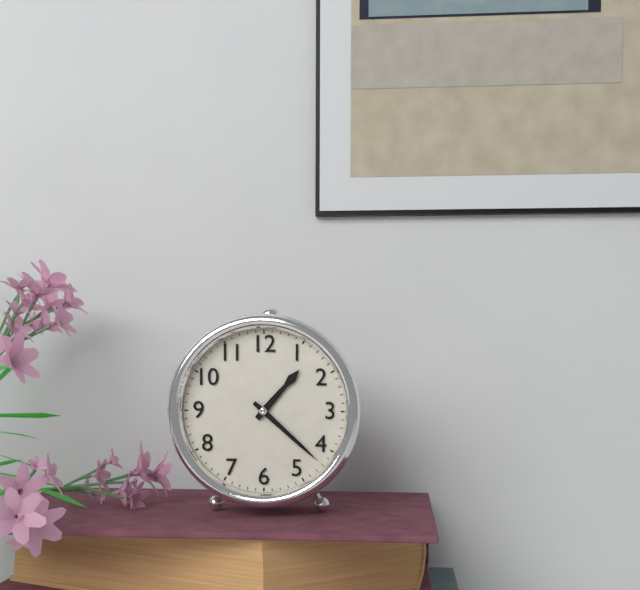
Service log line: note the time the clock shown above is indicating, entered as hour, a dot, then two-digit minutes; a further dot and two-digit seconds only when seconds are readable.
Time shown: 1.22
